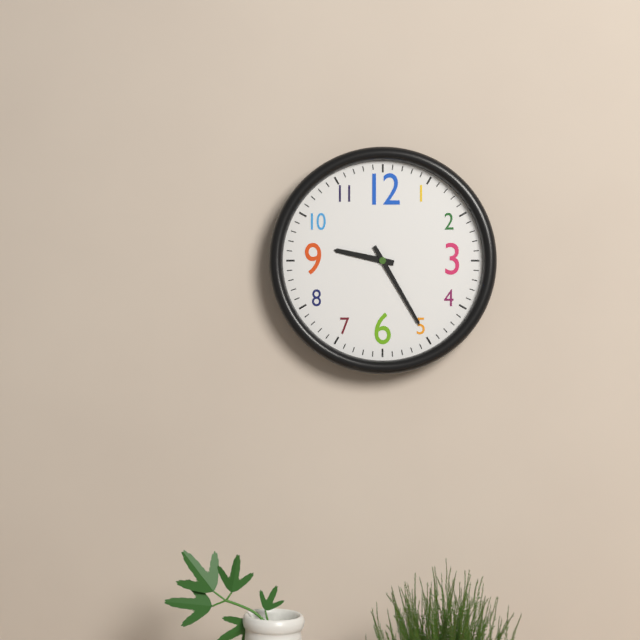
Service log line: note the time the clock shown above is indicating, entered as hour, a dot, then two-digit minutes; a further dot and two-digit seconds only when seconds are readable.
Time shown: 9.25
